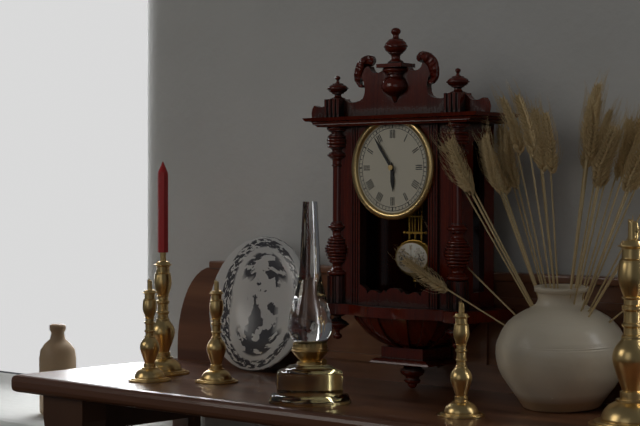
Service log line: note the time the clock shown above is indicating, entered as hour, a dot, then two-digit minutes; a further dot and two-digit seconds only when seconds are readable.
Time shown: 5.54
